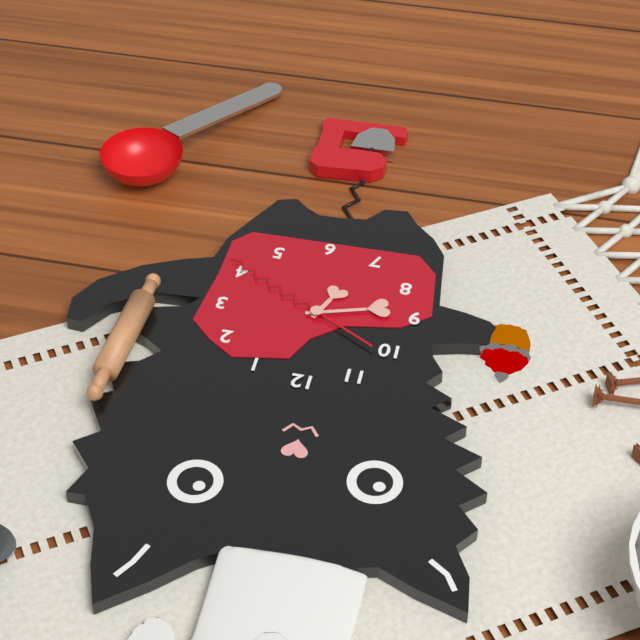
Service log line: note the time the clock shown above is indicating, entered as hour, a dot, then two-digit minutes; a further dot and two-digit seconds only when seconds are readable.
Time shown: 6.42.20
